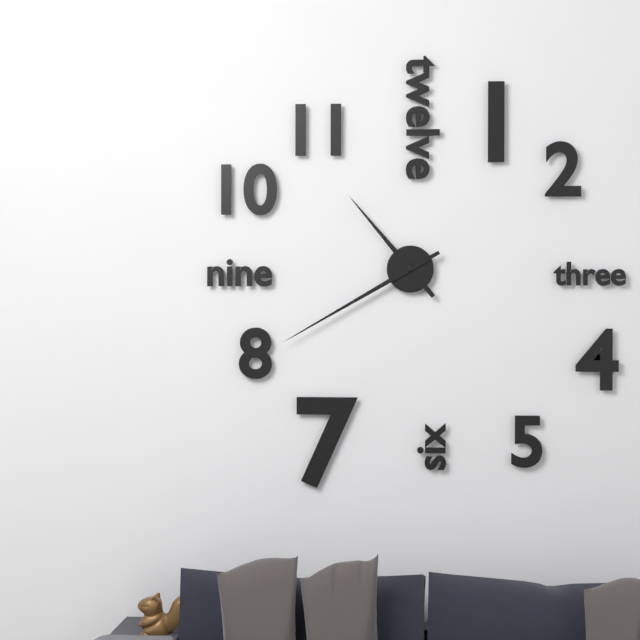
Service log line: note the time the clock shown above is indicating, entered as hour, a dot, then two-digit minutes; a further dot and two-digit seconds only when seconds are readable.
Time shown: 10.40
